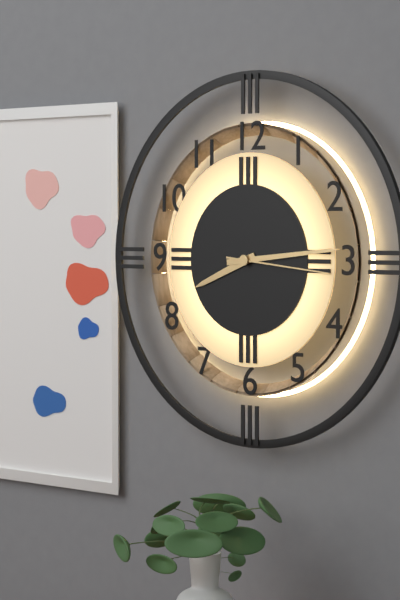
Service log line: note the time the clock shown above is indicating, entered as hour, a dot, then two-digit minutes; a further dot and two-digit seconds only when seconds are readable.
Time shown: 8.14.16
